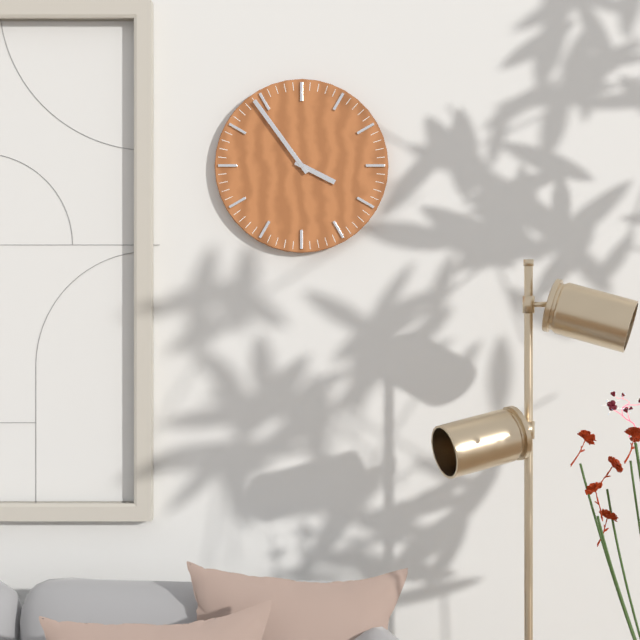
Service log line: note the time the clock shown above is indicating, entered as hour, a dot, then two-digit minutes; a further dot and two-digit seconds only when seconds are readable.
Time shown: 3.54
